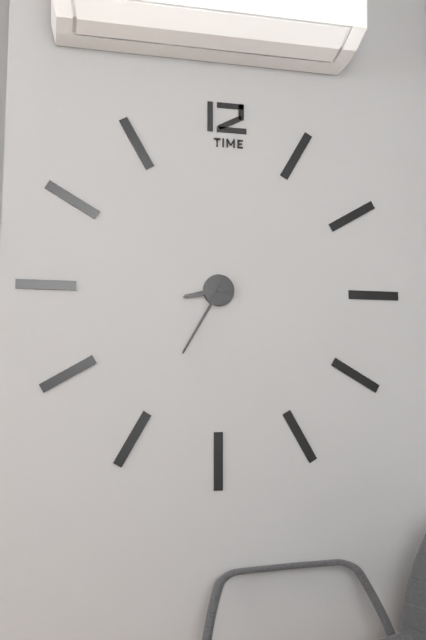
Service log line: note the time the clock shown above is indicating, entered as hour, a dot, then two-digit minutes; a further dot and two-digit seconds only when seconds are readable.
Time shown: 8.35
